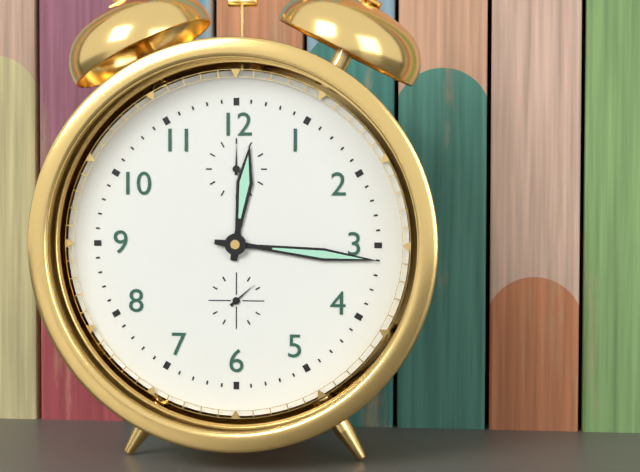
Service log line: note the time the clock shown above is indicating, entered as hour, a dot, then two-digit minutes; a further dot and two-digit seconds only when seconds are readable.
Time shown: 12.16
